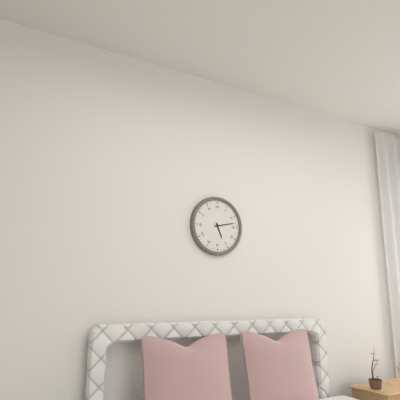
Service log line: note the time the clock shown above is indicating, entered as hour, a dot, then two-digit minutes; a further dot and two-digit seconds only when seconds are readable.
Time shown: 5.13
